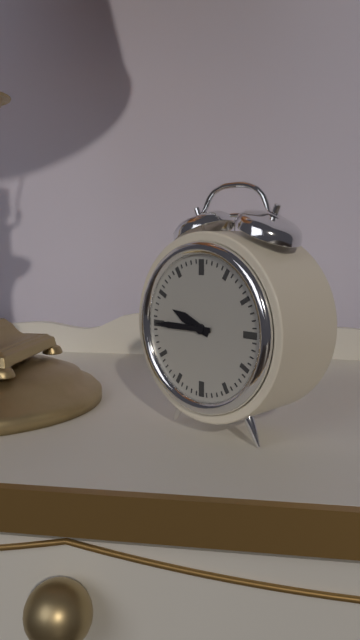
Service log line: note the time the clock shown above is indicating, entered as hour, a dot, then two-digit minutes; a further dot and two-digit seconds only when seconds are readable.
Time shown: 9.45
